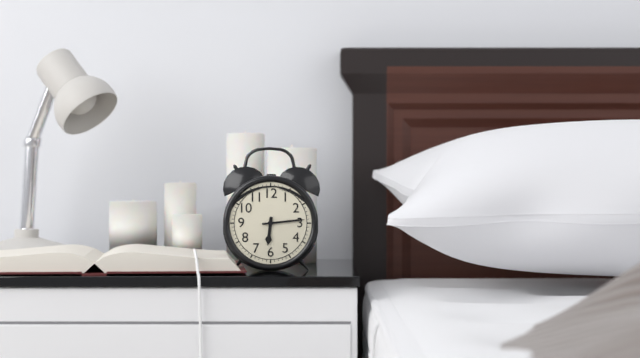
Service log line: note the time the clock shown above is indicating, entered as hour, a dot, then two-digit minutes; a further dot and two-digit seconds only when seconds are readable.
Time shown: 6.14
